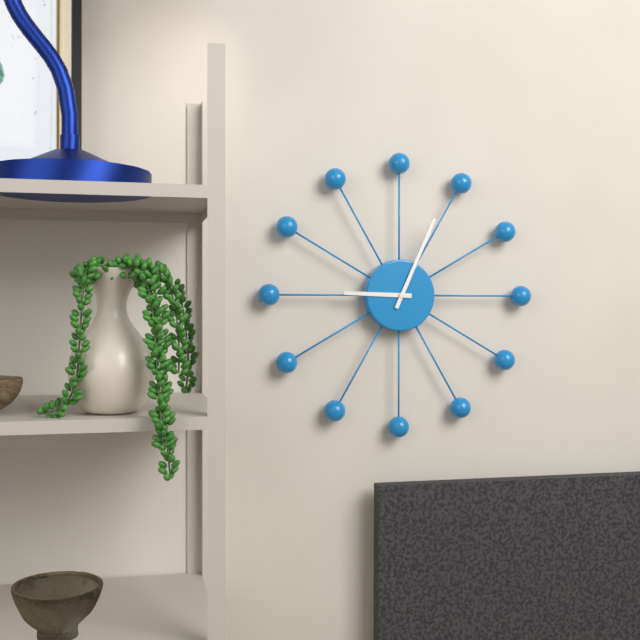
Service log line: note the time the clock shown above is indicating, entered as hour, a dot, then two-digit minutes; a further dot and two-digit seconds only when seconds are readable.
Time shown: 9.04
